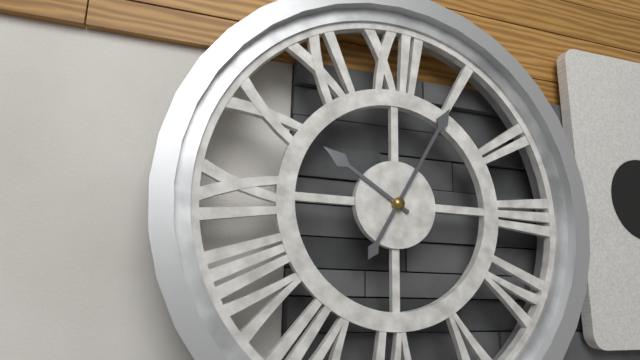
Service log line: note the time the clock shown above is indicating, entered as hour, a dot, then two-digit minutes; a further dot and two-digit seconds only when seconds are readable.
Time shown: 10.05
